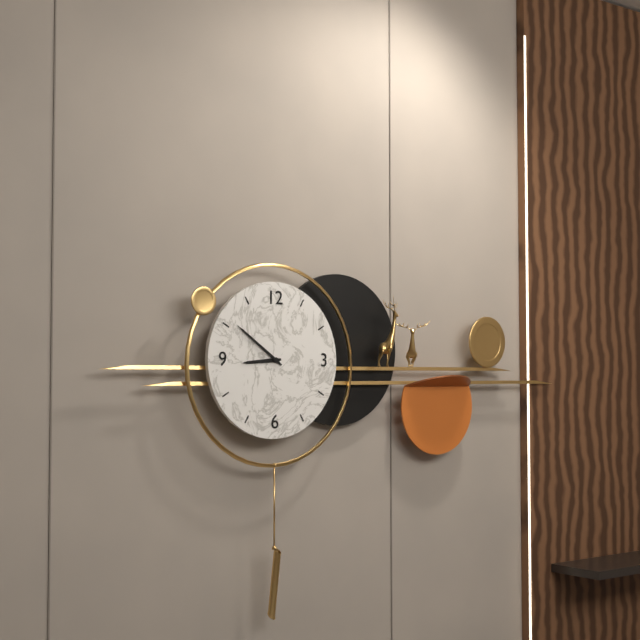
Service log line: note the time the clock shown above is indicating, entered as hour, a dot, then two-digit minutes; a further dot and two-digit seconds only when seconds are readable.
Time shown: 8.51
